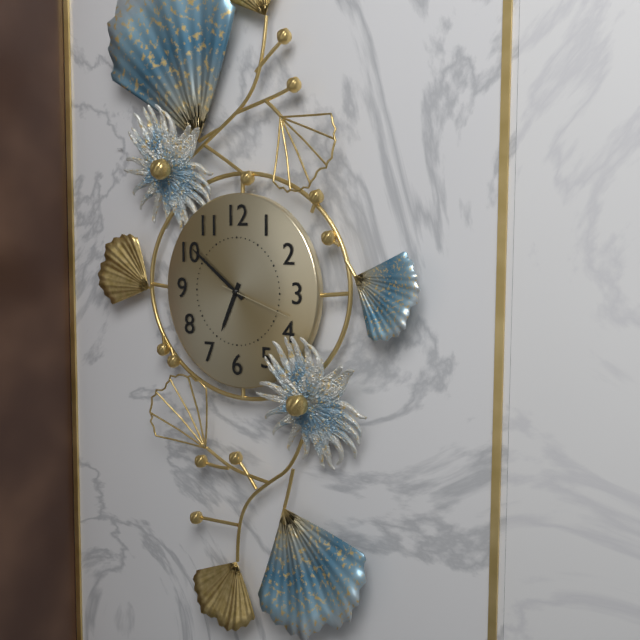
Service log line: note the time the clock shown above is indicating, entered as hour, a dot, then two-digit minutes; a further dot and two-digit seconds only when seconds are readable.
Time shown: 6.51.18
